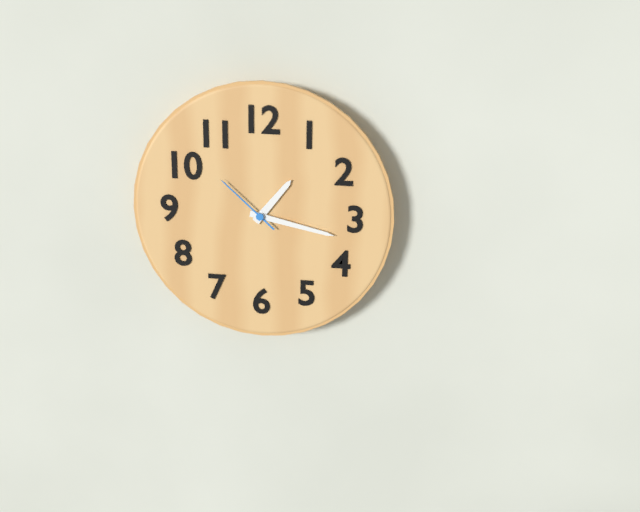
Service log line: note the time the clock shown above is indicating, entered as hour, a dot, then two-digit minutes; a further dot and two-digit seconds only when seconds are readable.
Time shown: 1.17.52
